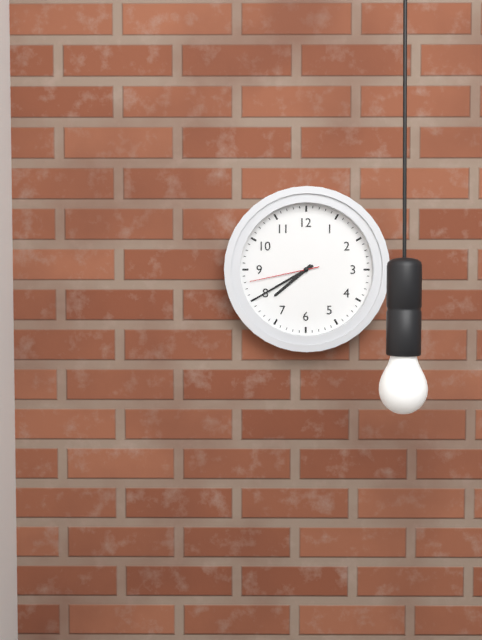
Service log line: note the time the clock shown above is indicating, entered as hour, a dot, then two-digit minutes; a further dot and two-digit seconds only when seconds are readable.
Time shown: 7.40.43
